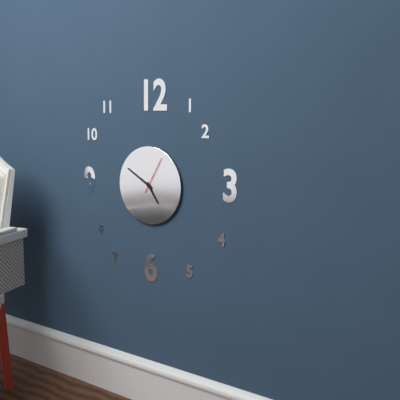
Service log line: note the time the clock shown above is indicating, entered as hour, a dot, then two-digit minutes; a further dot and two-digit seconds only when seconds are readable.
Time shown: 4.50
